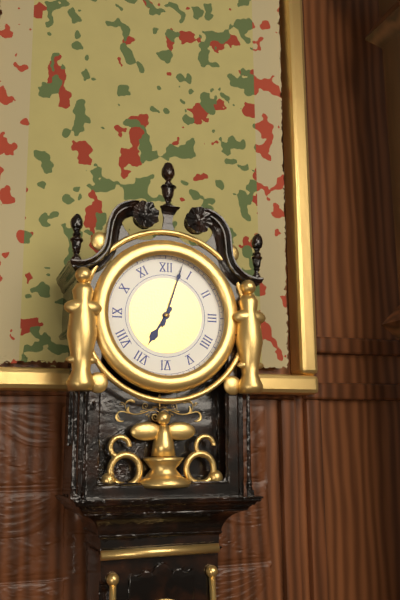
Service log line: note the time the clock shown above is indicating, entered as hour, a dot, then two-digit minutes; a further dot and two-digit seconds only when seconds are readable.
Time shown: 7.03
